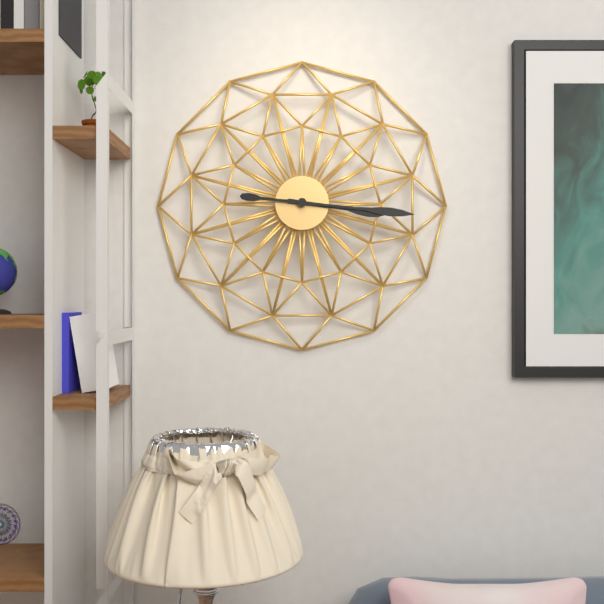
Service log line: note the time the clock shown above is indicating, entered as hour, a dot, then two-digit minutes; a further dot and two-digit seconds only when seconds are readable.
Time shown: 3.16
